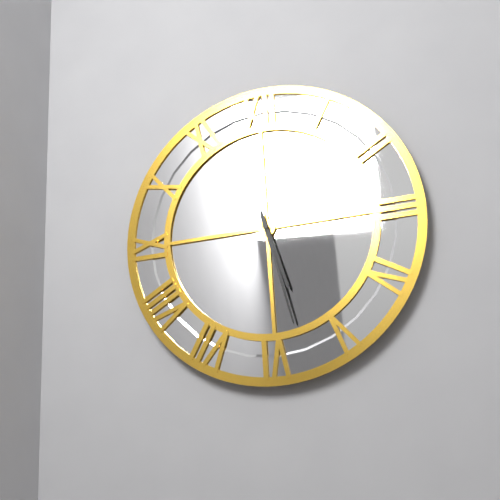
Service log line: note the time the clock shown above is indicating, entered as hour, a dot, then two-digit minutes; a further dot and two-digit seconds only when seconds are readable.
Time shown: 5.28
